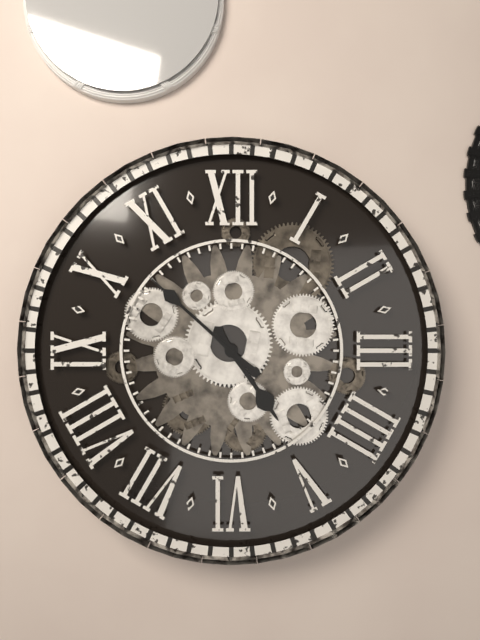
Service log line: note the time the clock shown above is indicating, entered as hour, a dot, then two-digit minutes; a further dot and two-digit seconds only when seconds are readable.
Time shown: 4.52
